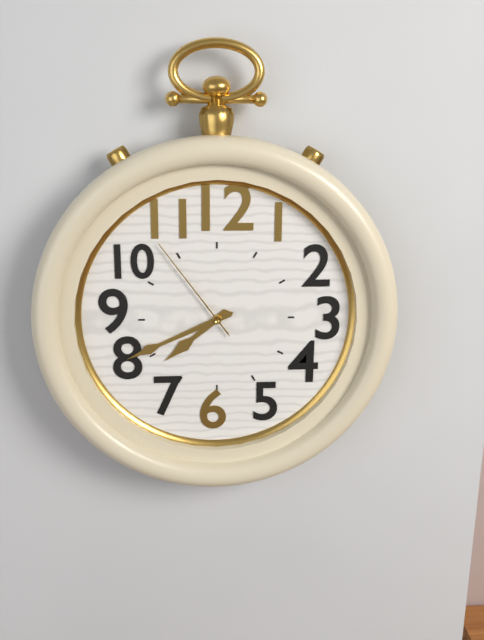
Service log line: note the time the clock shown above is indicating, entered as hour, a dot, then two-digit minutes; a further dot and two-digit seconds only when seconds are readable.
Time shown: 7.41.54
